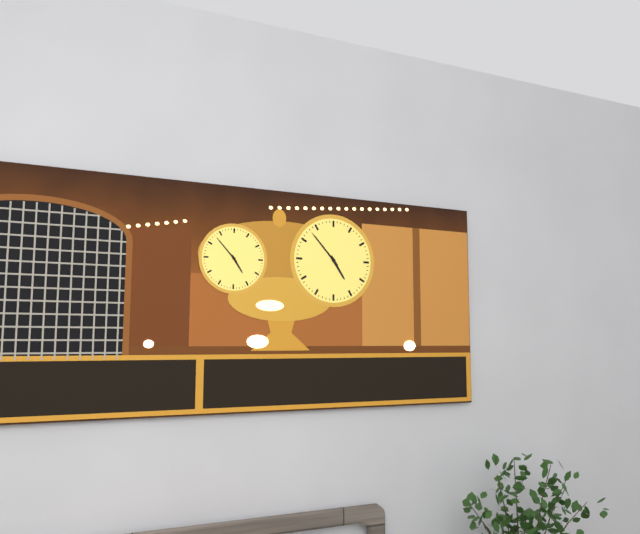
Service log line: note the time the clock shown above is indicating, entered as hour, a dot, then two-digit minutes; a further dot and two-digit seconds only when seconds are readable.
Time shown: 4.53
